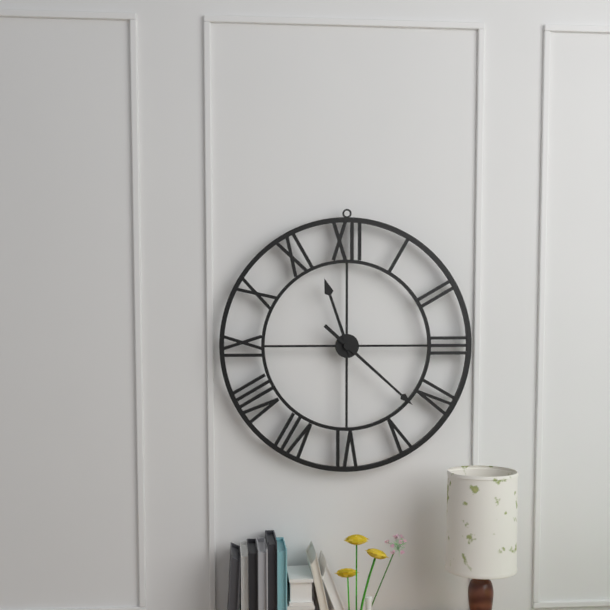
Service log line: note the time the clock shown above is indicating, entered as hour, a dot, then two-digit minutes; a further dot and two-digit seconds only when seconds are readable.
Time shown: 11.22
